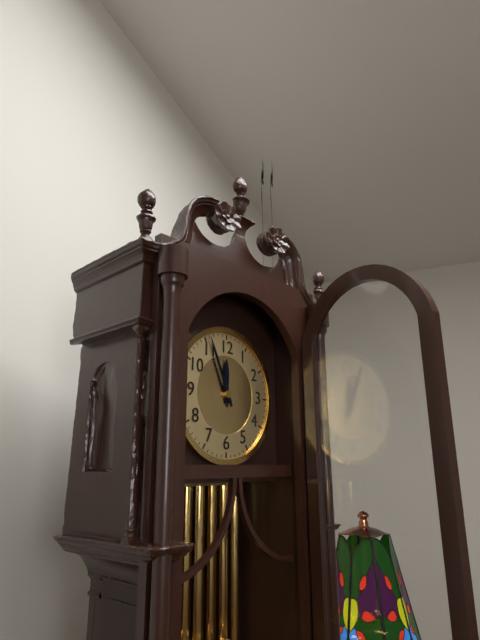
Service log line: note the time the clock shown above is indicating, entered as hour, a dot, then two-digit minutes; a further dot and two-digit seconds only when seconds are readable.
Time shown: 11.56
